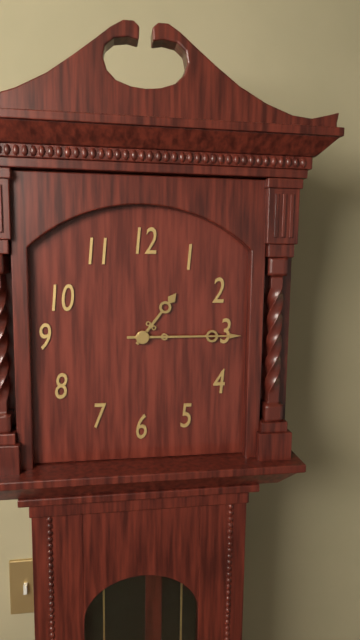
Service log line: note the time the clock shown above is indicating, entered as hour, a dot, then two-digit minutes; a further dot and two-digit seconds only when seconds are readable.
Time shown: 1.15
